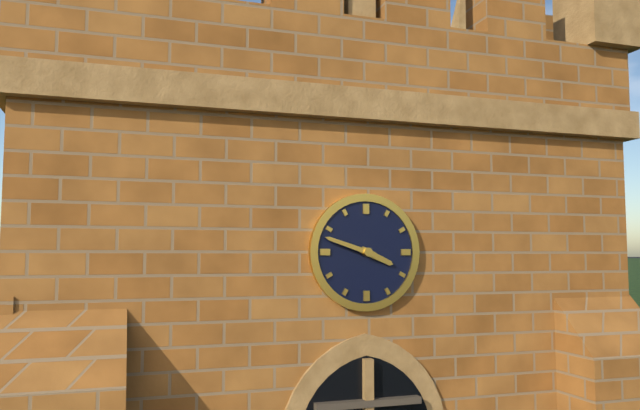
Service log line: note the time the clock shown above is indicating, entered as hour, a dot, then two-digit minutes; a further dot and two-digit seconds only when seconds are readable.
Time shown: 3.48
